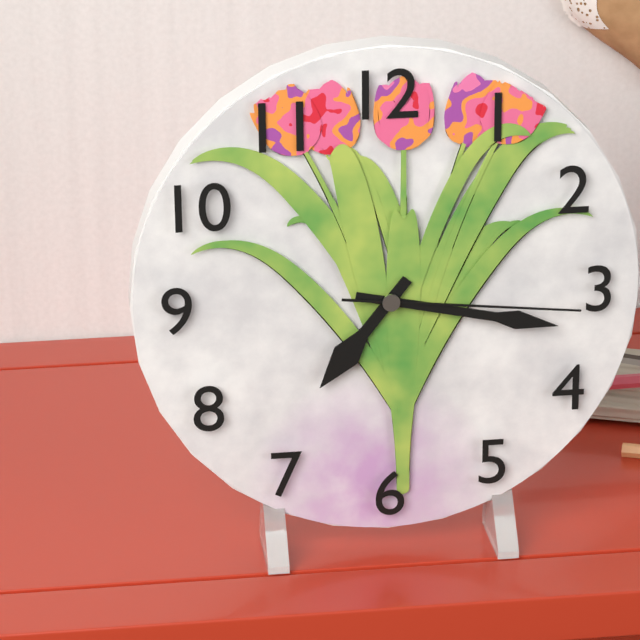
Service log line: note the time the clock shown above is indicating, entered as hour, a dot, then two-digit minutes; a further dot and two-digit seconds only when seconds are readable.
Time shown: 7.17.16
